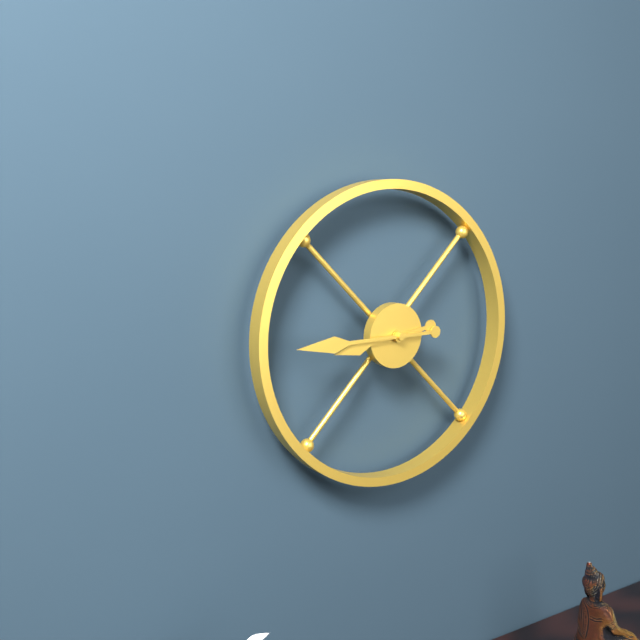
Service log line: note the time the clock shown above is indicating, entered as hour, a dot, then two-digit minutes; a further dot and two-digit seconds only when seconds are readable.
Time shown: 8.45
